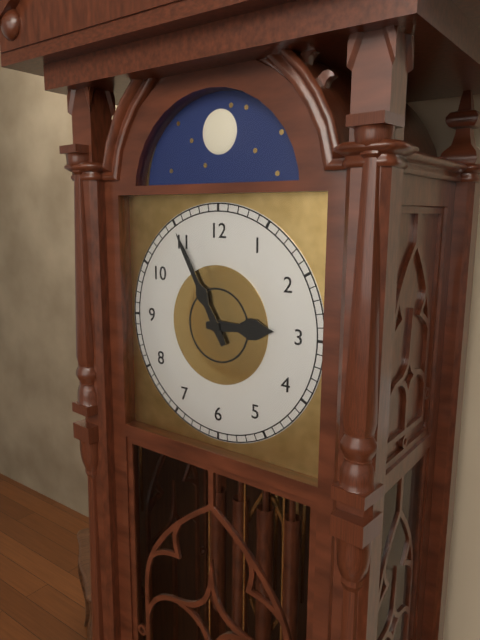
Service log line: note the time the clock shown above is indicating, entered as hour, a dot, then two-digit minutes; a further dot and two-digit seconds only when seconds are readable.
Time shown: 2.55
